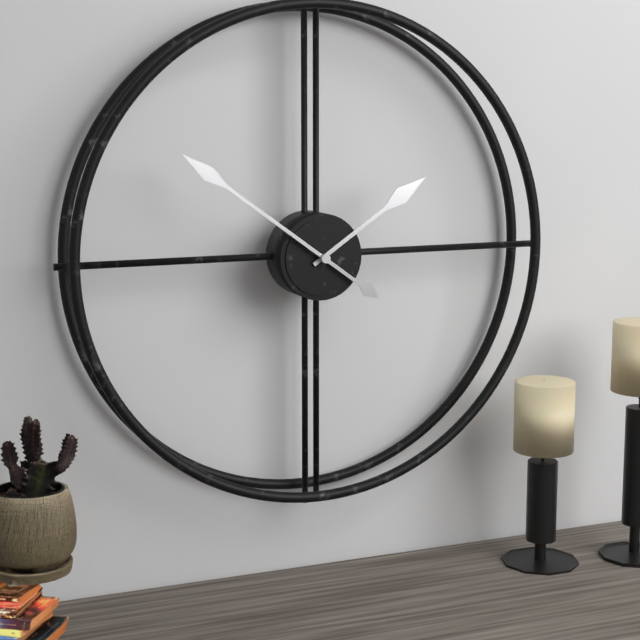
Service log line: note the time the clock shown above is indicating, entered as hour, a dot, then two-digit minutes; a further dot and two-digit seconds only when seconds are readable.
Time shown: 1.51
